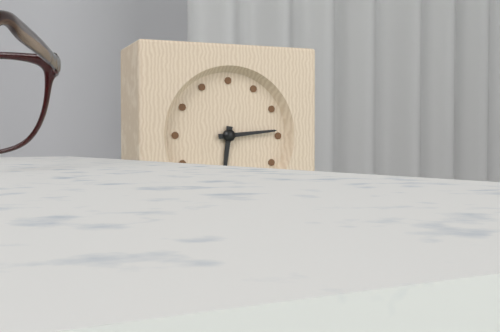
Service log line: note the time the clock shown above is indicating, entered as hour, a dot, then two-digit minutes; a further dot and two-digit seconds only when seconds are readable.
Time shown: 6.14
